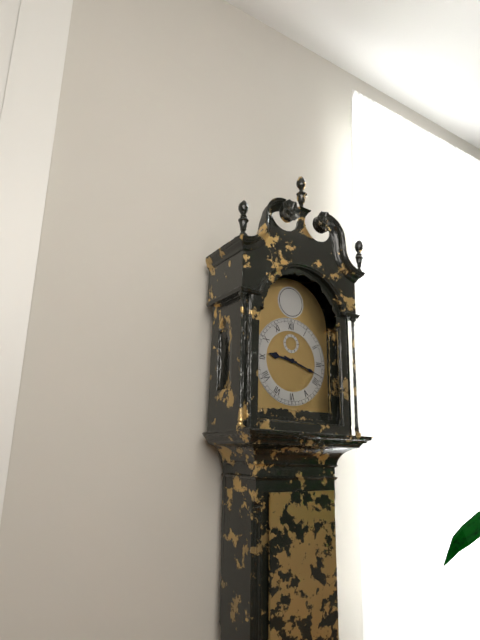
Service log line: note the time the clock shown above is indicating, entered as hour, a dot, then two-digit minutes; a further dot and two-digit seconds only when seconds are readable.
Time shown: 9.18
